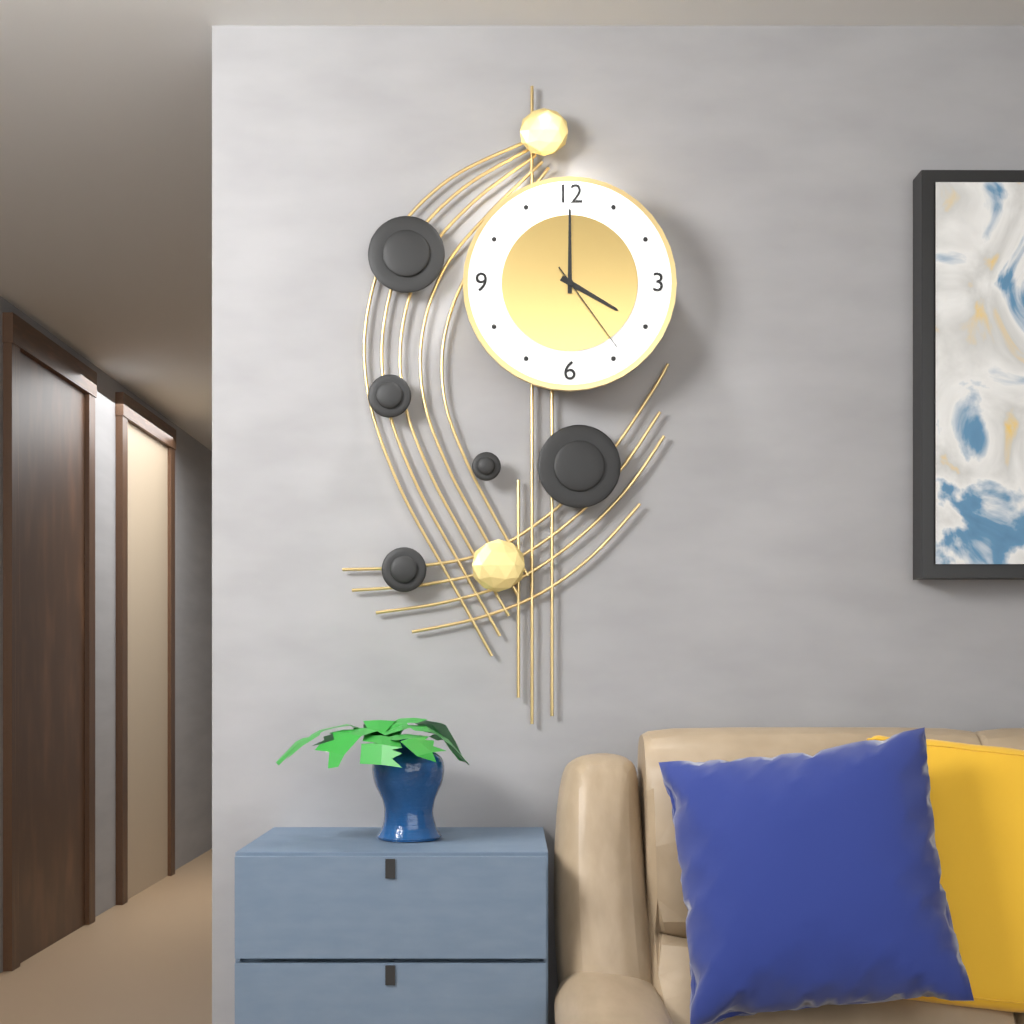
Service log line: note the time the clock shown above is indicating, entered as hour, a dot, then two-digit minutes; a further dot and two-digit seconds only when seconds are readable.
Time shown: 4.00.24
